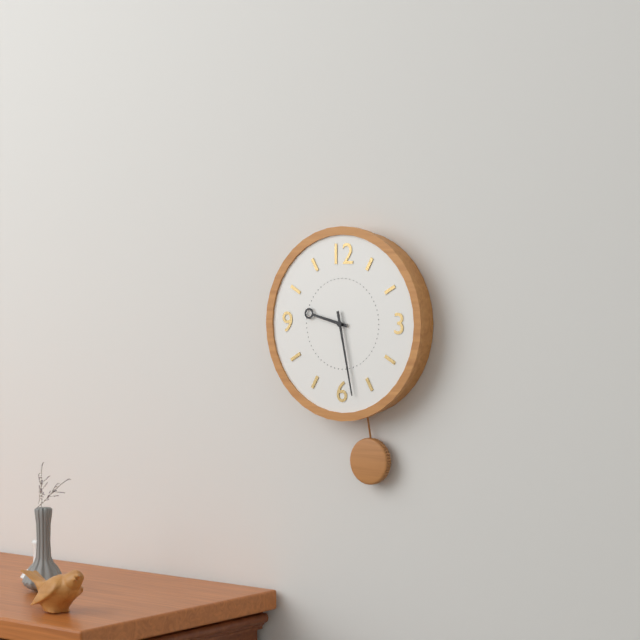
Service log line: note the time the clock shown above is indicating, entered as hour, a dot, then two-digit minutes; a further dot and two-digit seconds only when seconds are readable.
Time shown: 9.28
